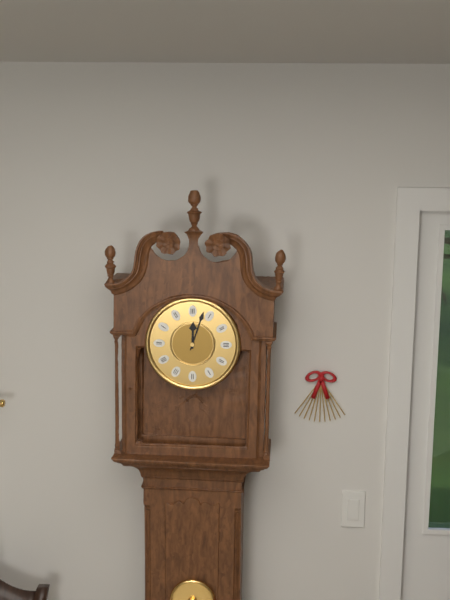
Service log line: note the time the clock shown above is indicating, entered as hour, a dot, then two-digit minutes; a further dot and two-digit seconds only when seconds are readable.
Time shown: 12.03
